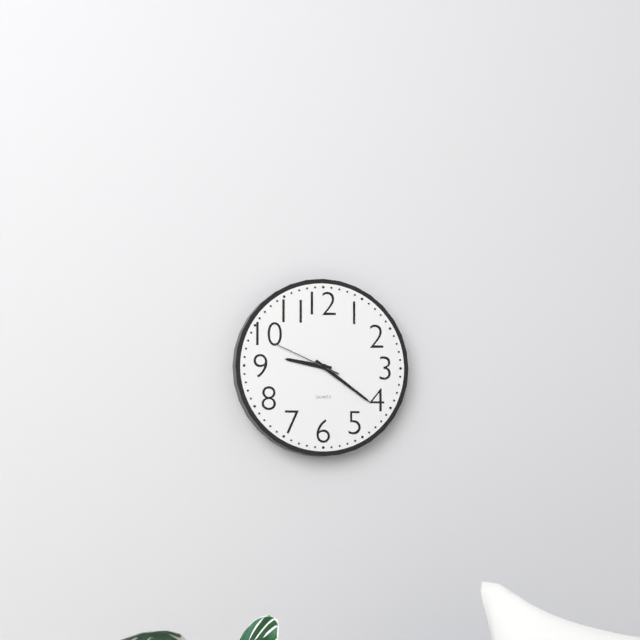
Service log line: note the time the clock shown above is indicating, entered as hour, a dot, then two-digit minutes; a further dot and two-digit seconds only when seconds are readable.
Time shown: 9.21.49
